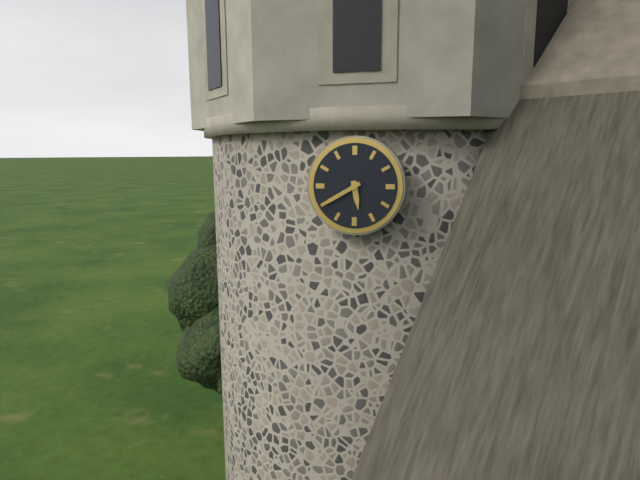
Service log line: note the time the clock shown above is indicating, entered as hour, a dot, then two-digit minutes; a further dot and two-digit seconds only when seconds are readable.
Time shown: 5.40
